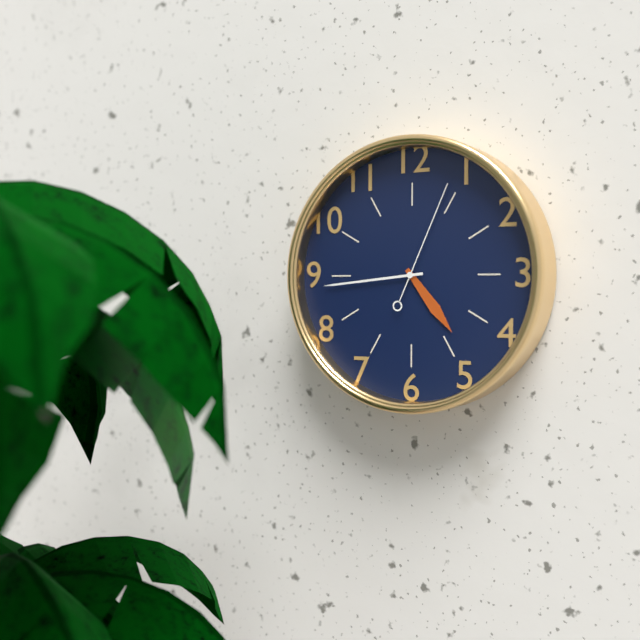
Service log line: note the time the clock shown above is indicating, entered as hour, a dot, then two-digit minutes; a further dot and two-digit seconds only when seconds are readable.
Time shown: 4.44.04
